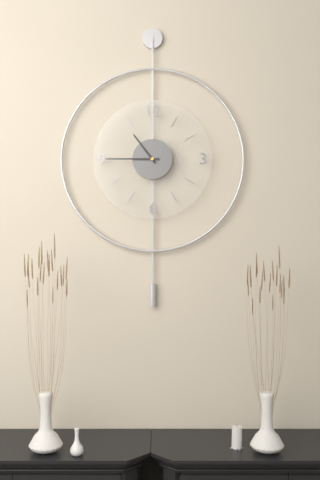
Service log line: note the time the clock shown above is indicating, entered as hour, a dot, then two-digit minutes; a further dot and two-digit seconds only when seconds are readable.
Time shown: 10.45
